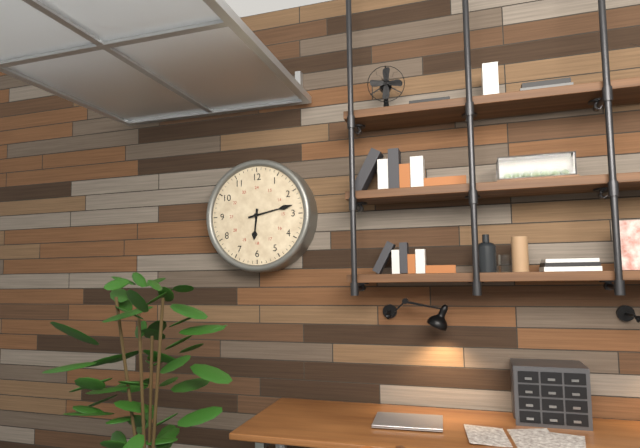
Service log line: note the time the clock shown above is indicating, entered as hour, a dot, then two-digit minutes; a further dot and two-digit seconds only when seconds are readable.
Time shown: 6.13
